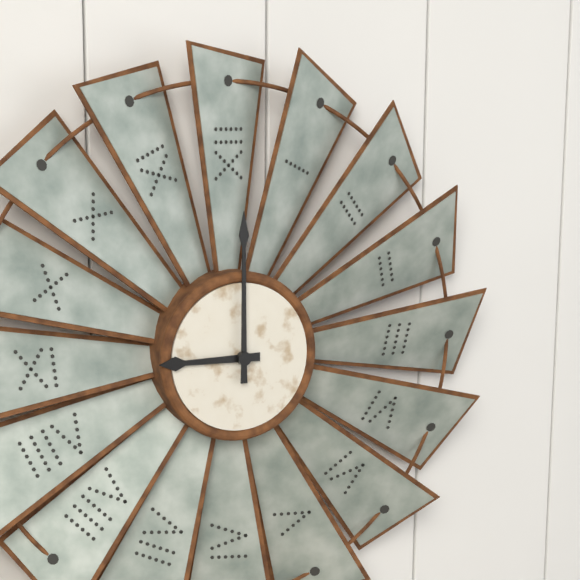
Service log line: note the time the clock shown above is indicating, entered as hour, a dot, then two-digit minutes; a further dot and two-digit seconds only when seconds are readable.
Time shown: 9.00
